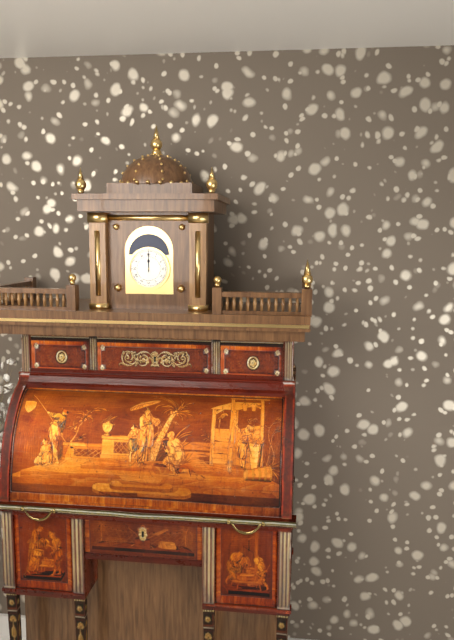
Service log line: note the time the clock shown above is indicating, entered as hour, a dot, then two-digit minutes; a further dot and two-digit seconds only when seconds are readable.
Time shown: 12.00
